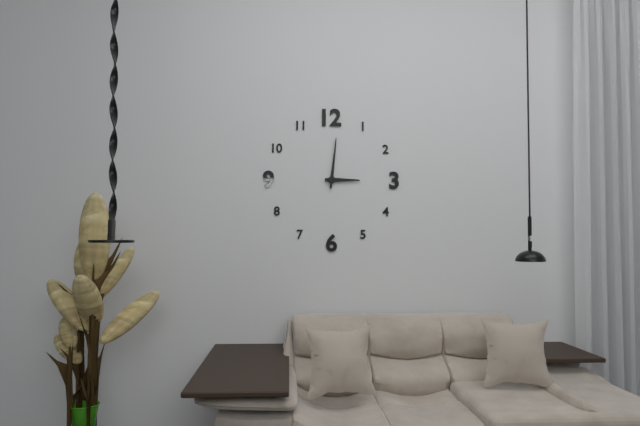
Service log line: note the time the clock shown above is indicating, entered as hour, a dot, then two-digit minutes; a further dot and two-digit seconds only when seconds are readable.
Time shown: 3.01
